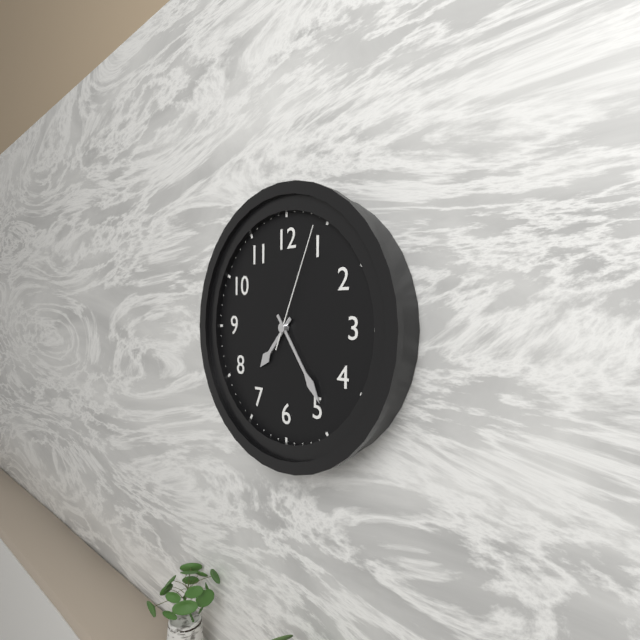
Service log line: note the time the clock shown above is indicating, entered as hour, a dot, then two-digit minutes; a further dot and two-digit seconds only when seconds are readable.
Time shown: 7.24.04
